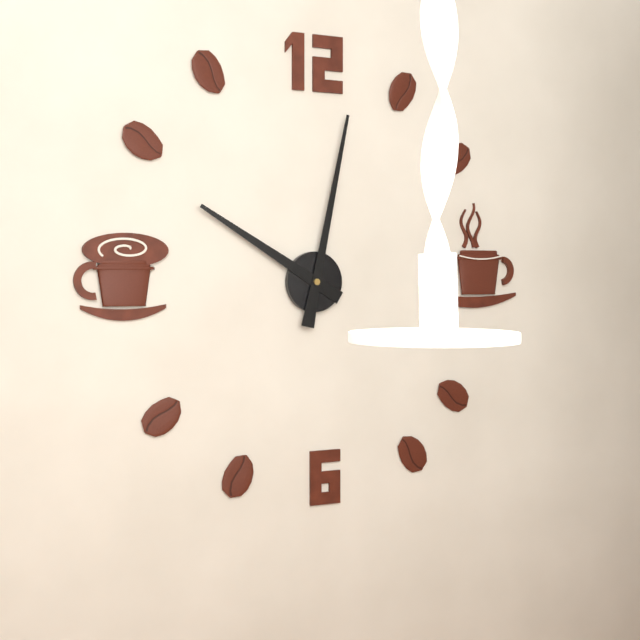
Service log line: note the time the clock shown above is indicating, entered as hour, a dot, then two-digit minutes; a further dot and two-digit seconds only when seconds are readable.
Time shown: 10.02
